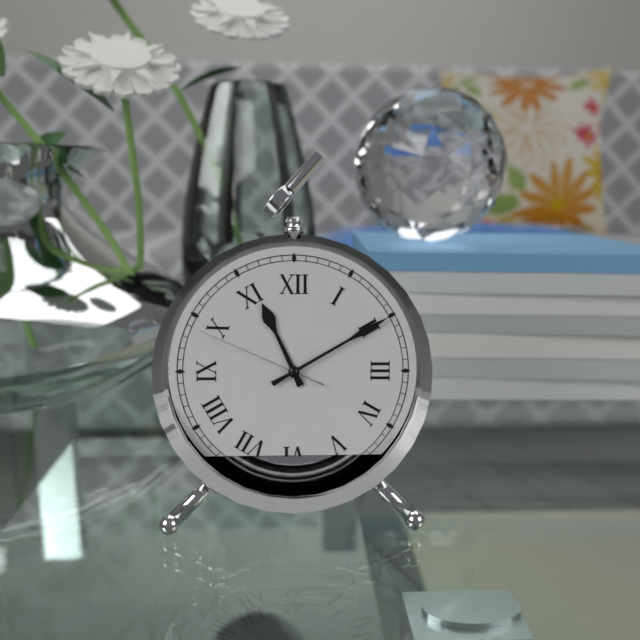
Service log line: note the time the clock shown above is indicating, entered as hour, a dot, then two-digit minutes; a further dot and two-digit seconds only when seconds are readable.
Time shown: 11.10.49
